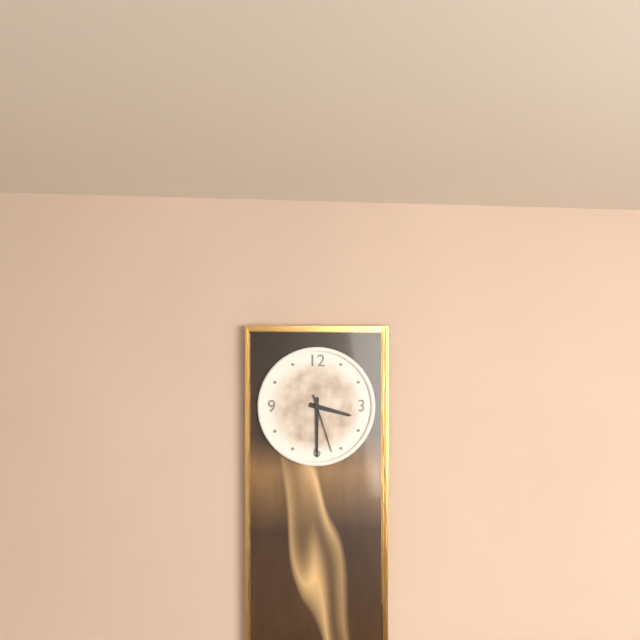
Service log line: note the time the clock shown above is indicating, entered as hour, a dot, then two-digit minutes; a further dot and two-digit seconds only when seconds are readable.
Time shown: 3.30.27
